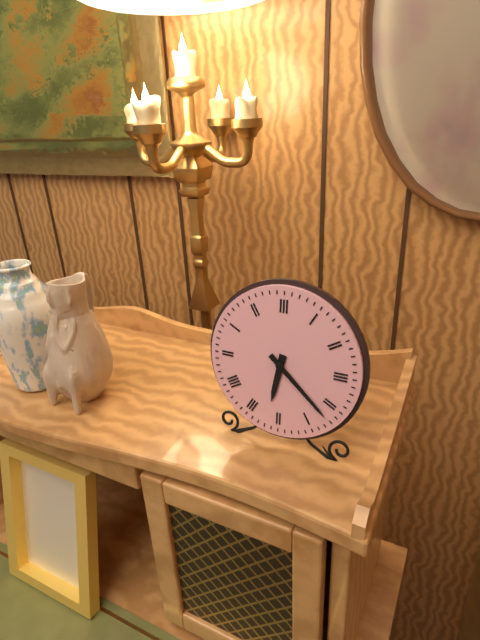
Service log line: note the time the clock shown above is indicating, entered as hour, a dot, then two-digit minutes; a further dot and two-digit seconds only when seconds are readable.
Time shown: 6.22
